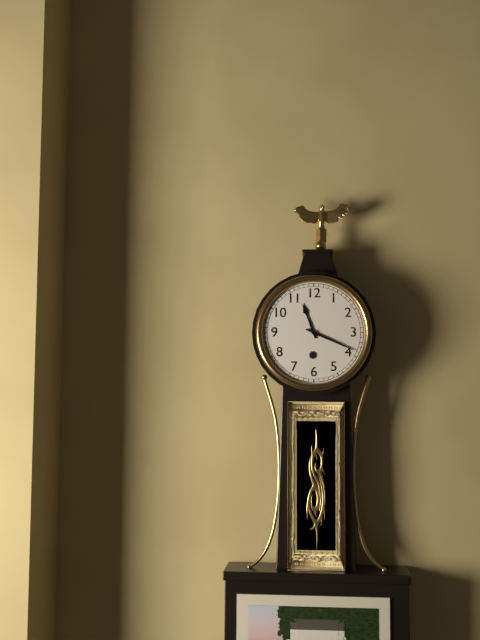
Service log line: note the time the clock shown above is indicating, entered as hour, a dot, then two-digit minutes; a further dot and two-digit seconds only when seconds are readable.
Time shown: 11.19
